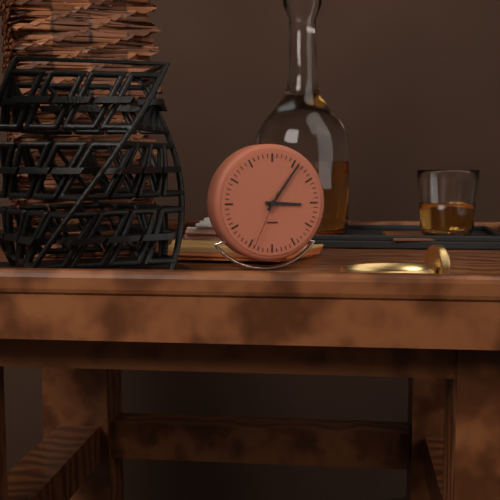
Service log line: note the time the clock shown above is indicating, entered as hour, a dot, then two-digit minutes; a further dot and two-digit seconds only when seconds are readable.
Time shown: 3.06.34
